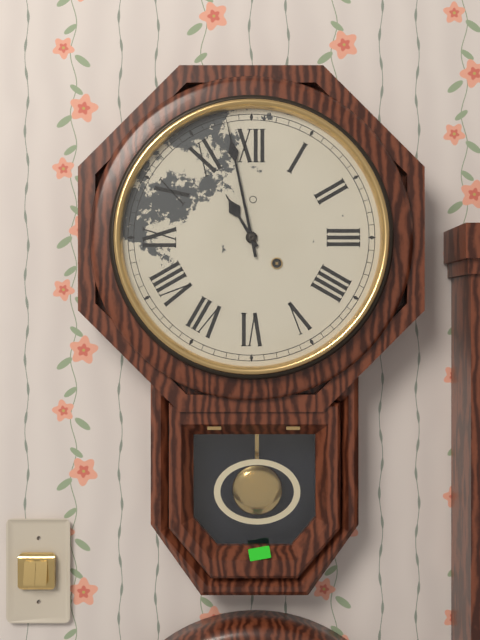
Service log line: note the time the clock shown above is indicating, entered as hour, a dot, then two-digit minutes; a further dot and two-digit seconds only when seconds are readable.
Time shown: 10.58
